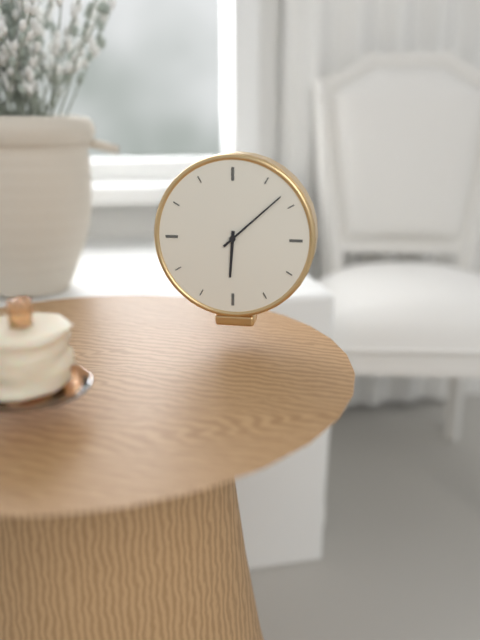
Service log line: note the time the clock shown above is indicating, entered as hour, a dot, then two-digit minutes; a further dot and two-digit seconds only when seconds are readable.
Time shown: 6.08
